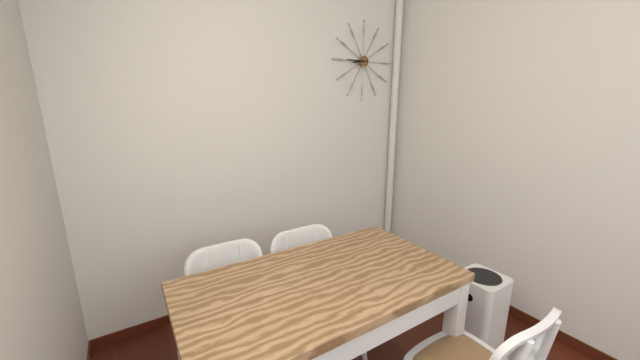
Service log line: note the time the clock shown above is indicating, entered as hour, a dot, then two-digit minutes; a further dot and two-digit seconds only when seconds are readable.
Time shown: 8.45
